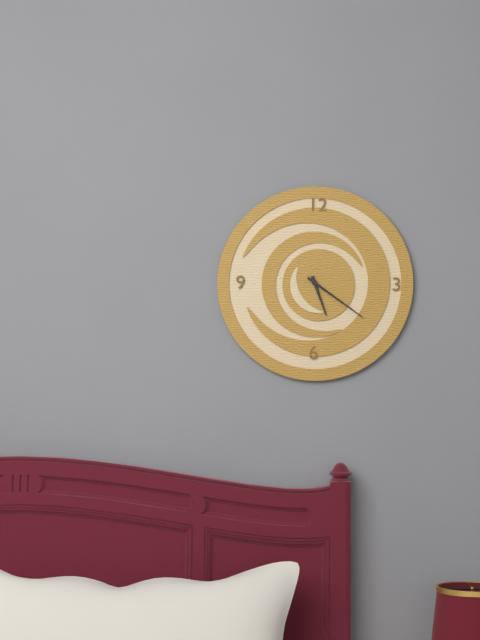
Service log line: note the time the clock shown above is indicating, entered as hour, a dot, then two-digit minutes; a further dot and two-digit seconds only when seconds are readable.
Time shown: 5.21
